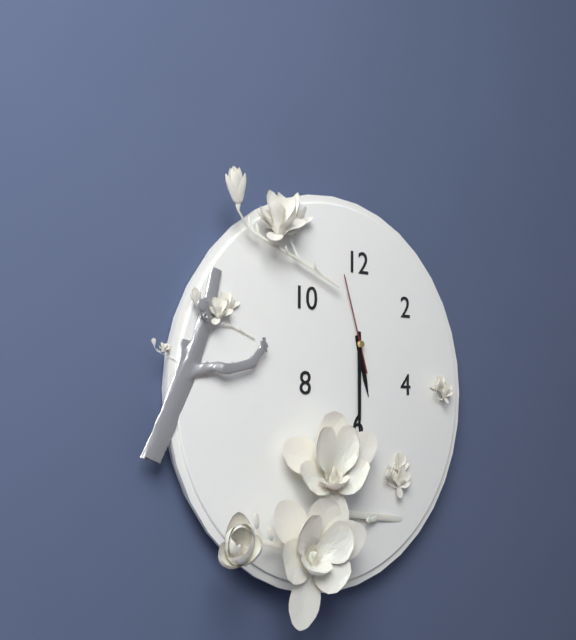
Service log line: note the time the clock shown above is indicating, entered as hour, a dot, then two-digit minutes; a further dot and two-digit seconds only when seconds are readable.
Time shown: 5.30.57
